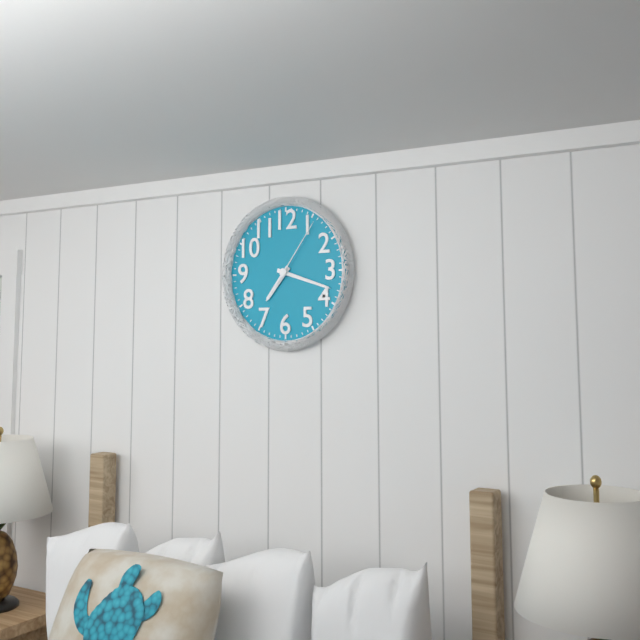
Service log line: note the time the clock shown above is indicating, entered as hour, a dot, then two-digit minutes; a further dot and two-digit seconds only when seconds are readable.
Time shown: 7.18.06
